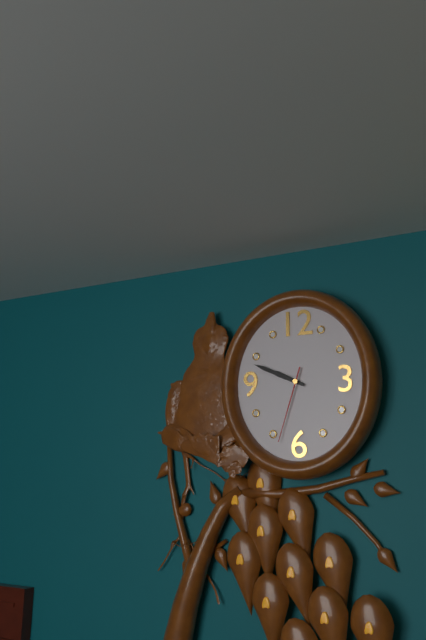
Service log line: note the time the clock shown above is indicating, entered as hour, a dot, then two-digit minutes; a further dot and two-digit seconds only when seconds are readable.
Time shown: 9.49.33
